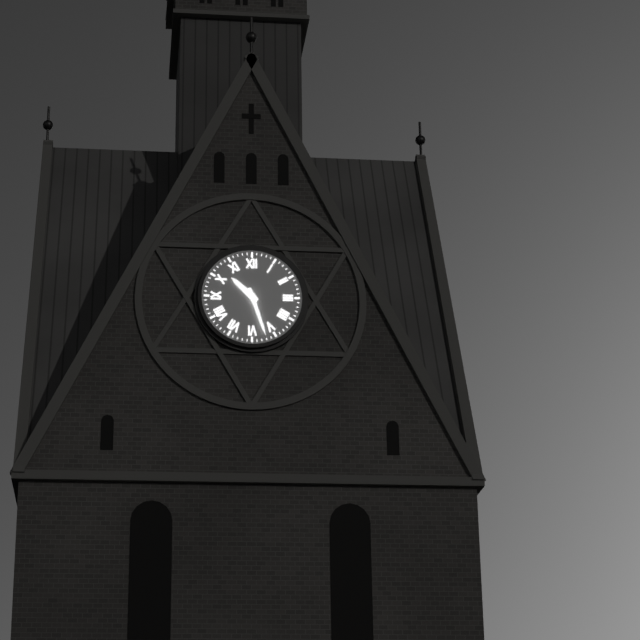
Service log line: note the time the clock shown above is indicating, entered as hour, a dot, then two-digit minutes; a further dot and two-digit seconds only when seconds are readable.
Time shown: 10.27
